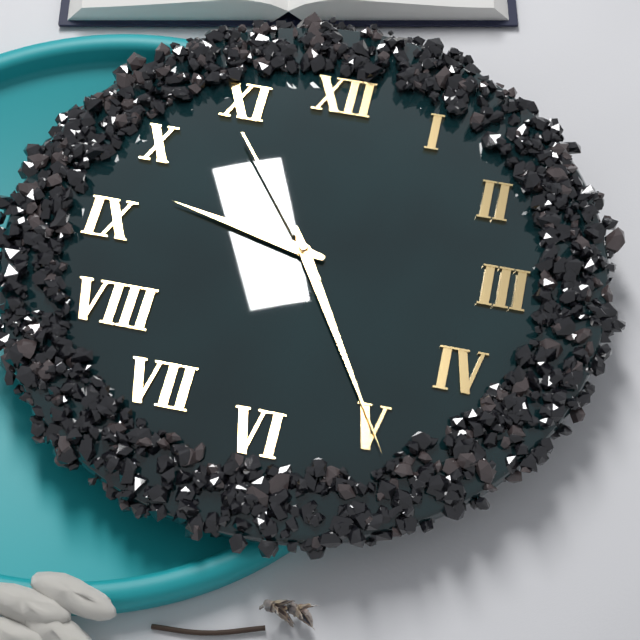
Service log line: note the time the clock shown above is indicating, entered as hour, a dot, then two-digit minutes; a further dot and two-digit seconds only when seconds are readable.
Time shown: 9.25.54
